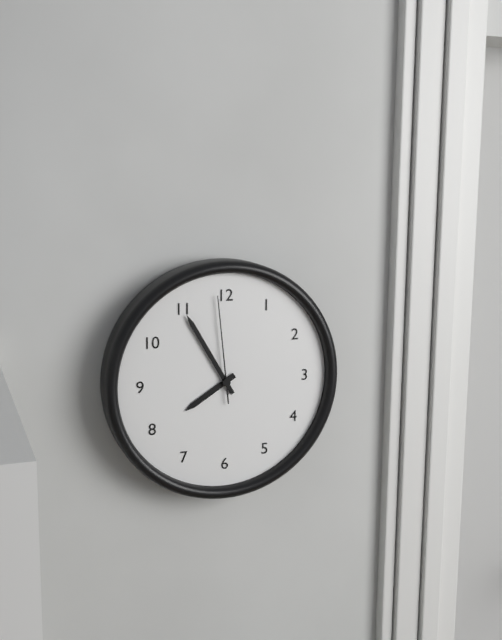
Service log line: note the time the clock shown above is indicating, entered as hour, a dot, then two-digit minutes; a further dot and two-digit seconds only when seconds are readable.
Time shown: 7.55.59
